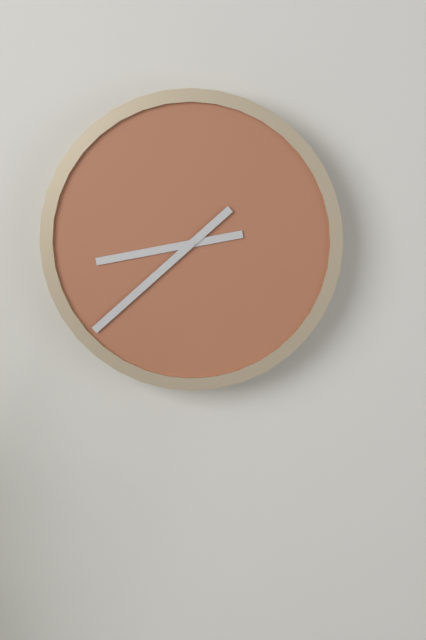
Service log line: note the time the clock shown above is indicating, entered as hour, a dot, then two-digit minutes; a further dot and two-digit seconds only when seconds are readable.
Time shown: 8.38
